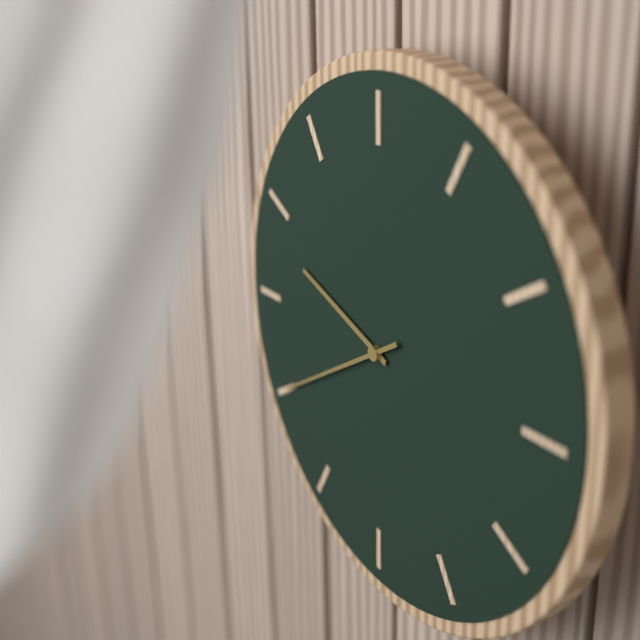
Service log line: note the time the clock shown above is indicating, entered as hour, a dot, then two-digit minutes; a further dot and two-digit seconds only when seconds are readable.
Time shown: 9.40
